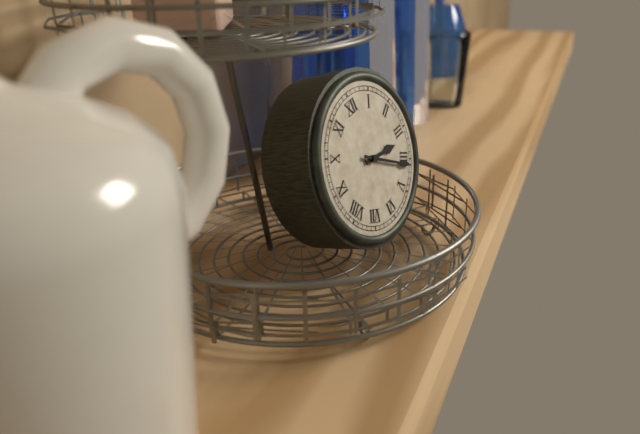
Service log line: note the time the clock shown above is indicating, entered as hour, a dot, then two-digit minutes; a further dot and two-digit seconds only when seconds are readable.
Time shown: 3.21
